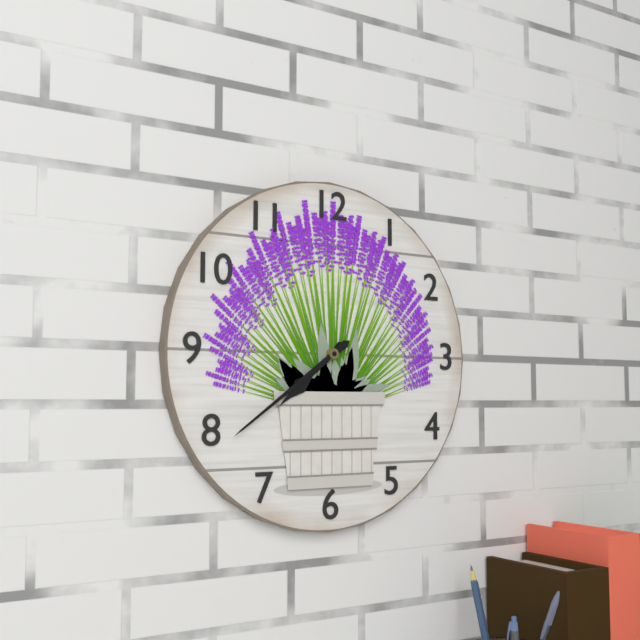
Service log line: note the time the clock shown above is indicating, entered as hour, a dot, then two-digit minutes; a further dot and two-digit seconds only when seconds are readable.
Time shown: 7.39
